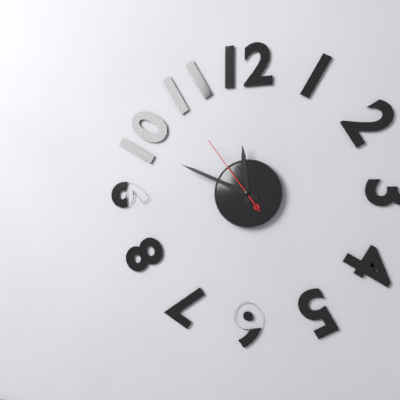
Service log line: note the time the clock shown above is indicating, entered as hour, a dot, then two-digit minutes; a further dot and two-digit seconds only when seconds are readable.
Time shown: 11.49.54
